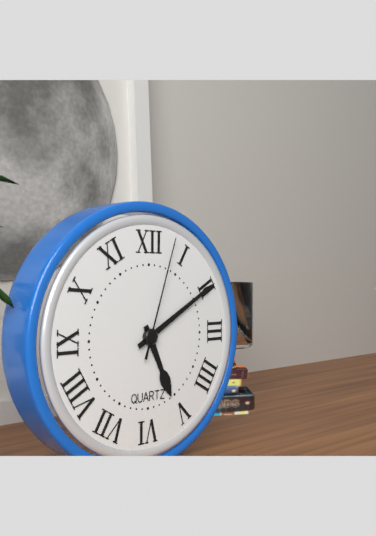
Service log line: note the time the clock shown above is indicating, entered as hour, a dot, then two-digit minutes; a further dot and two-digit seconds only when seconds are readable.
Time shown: 5.10.03
